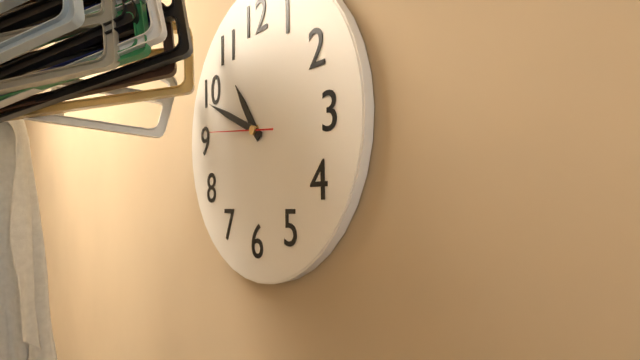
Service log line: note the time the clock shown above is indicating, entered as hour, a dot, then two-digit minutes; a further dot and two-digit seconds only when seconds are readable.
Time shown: 10.49.46
